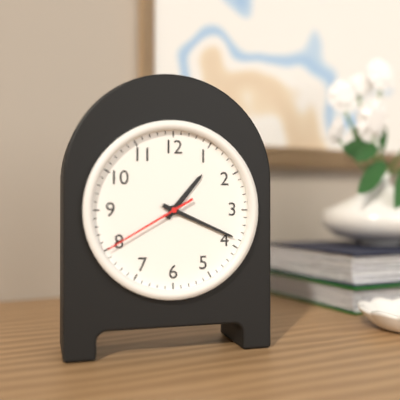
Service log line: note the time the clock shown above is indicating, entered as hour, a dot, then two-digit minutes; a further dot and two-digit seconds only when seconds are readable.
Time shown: 1.19.40
